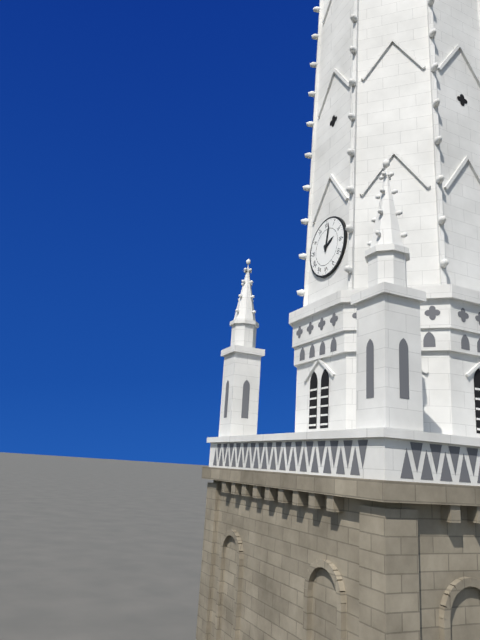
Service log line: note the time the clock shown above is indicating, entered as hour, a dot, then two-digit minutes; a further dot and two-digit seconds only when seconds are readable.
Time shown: 2.02
